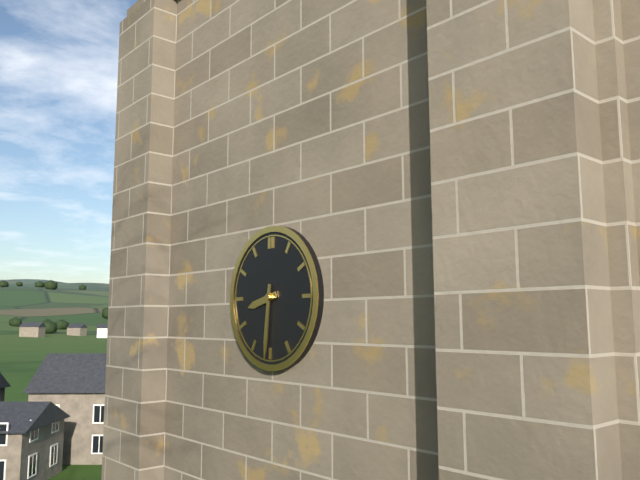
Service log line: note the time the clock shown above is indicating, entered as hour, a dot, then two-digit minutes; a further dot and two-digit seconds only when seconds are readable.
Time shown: 8.31
